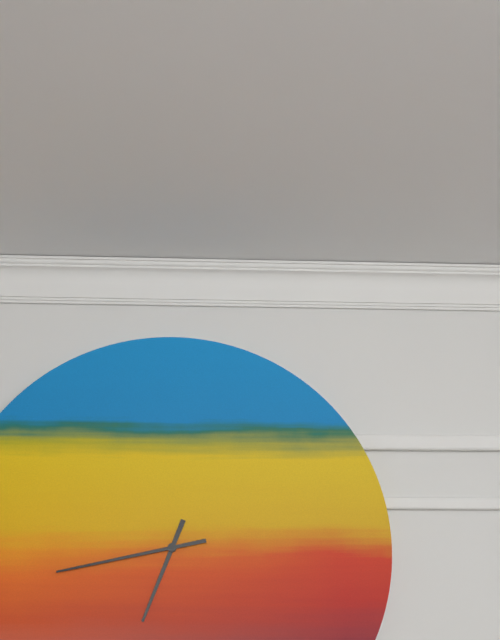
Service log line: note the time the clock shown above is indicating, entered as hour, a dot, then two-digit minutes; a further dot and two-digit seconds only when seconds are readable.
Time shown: 6.43
